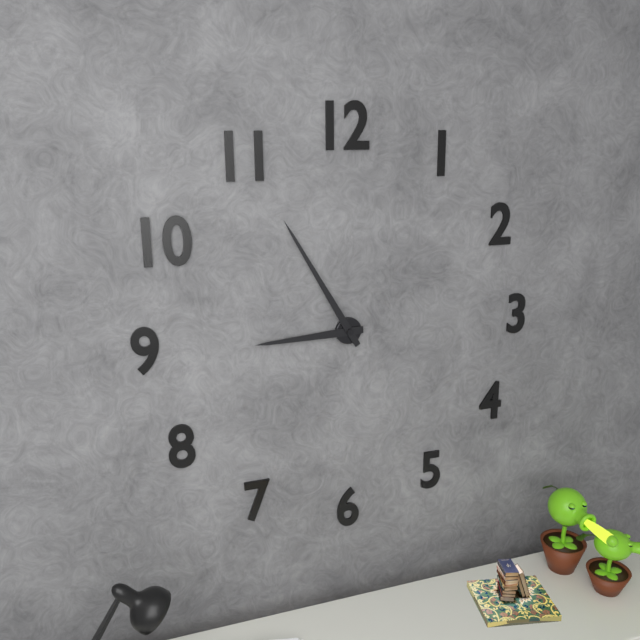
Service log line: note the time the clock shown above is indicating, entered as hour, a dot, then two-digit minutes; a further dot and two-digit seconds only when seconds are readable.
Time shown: 8.55
